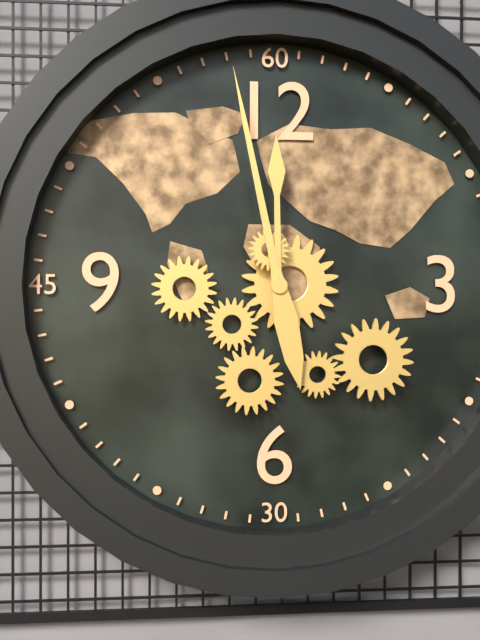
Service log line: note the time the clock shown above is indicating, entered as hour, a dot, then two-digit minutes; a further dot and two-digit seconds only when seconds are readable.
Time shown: 11.58
